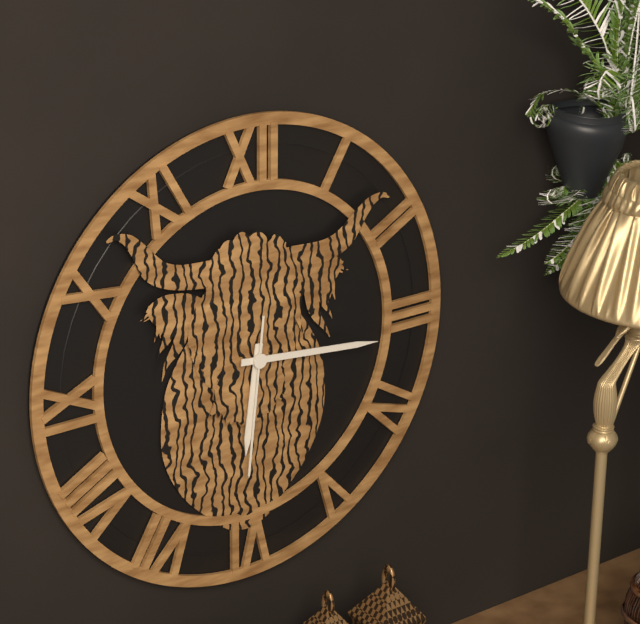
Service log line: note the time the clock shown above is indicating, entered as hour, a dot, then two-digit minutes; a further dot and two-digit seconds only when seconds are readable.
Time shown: 6.16.31
